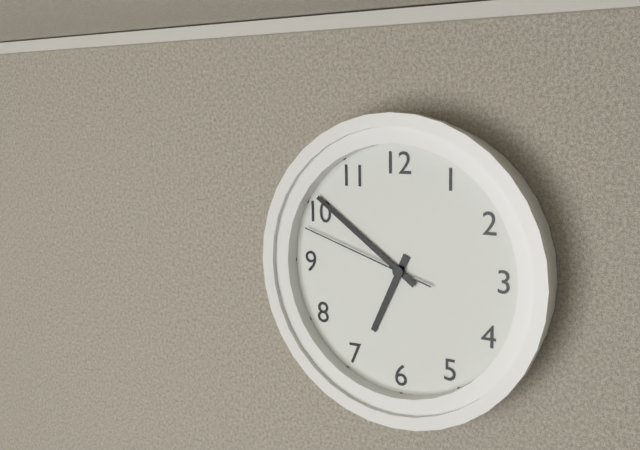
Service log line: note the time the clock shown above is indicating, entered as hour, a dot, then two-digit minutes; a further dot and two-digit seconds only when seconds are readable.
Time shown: 6.51.48
